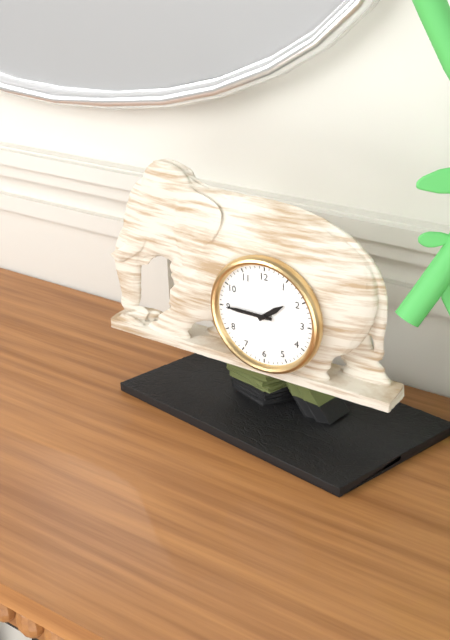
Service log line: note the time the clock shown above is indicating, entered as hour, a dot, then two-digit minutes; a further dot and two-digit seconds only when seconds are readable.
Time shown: 1.45
